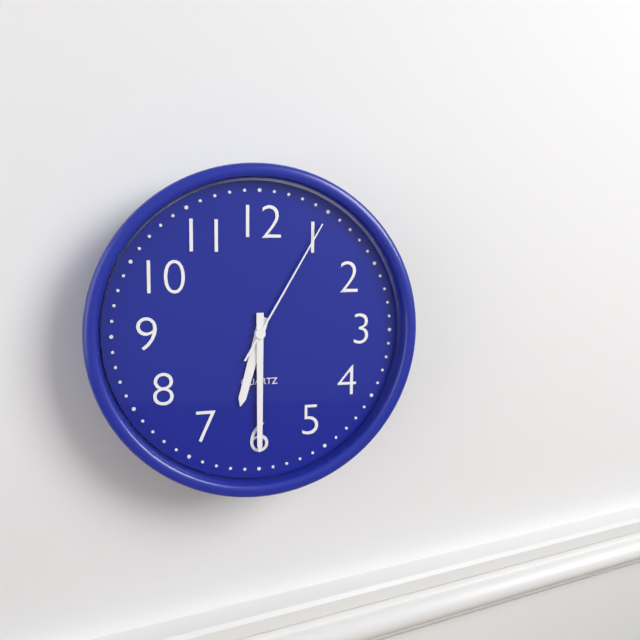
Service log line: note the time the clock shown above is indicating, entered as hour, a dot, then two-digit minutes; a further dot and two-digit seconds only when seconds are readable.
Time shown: 6.30.05
